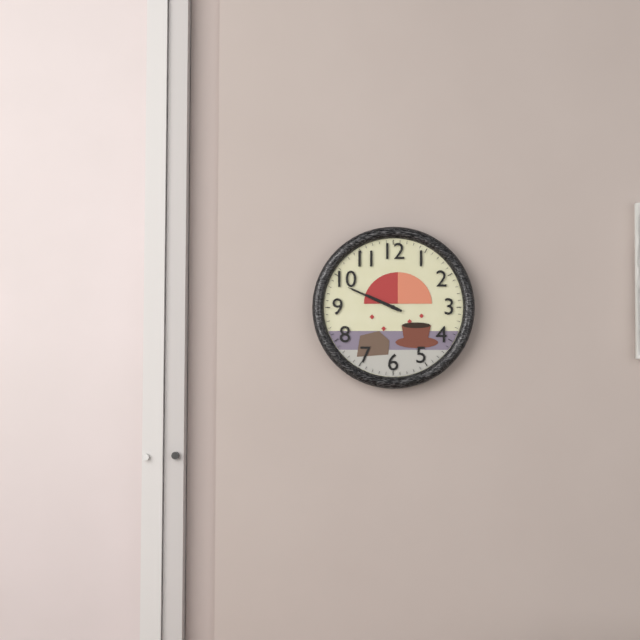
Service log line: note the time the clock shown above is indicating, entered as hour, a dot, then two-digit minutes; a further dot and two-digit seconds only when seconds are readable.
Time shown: 9.49
